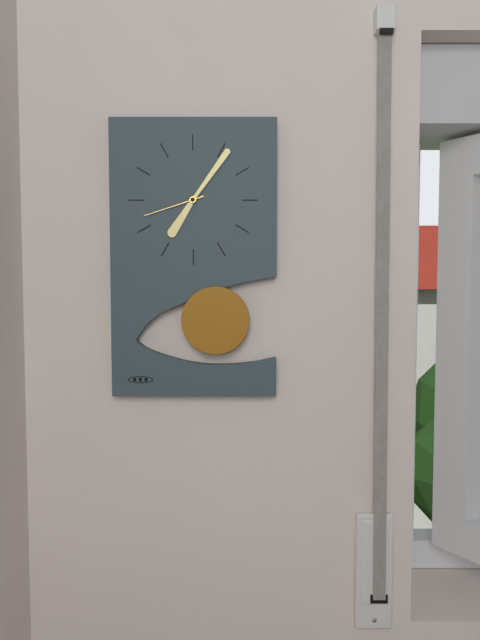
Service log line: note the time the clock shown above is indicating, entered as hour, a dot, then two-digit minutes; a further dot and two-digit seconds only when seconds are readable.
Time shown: 7.06.42
